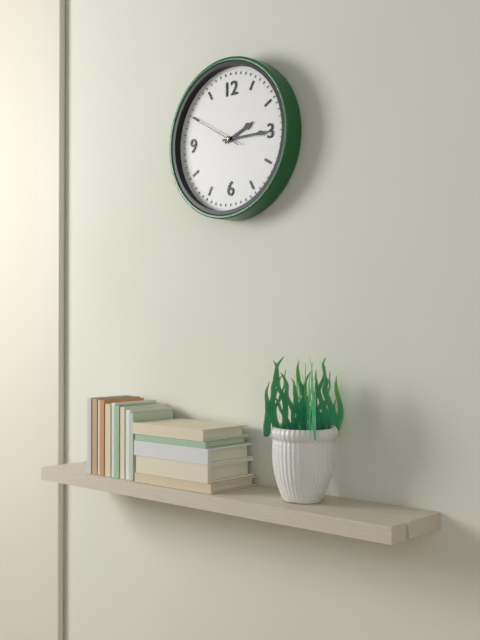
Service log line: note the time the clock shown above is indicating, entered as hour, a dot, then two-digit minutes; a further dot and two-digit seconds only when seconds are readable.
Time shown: 2.15.50
